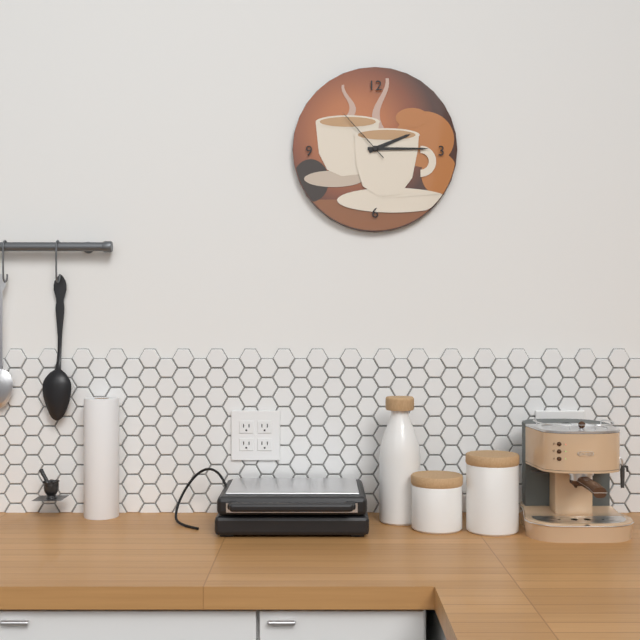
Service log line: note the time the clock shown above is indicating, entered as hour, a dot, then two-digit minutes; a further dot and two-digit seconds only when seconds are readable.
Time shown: 2.15.53
